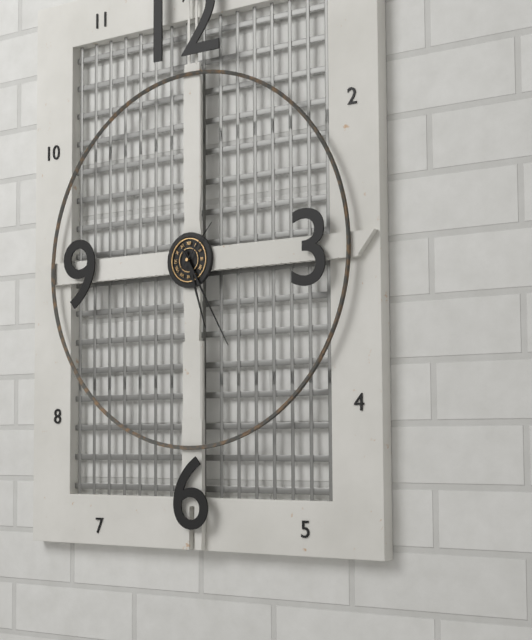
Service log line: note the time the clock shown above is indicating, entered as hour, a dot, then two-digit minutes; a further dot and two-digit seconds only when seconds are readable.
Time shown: 5.25.07
